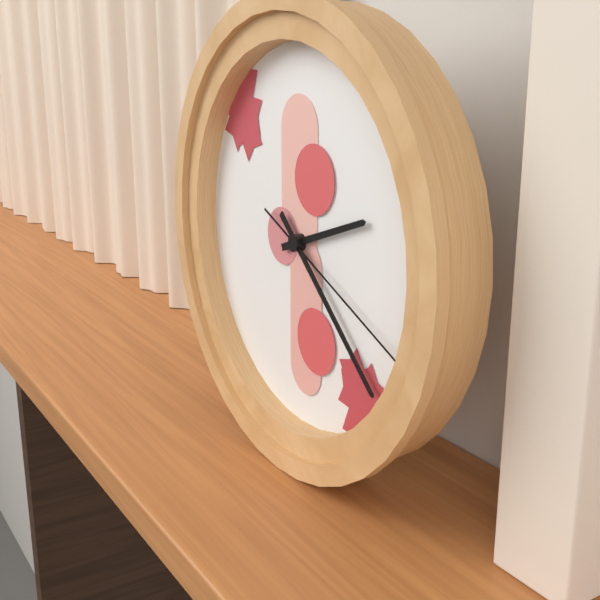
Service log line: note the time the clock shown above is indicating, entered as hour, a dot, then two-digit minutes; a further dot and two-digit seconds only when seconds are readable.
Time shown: 2.22.19
